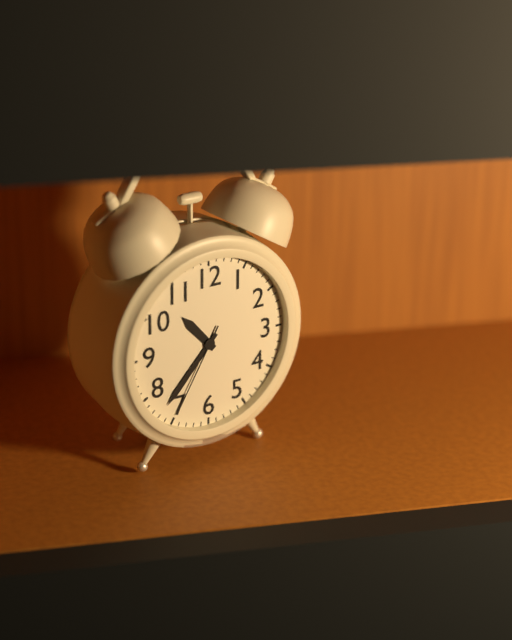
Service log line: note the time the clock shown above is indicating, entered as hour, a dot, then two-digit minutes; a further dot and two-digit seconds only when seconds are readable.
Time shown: 10.37.35
